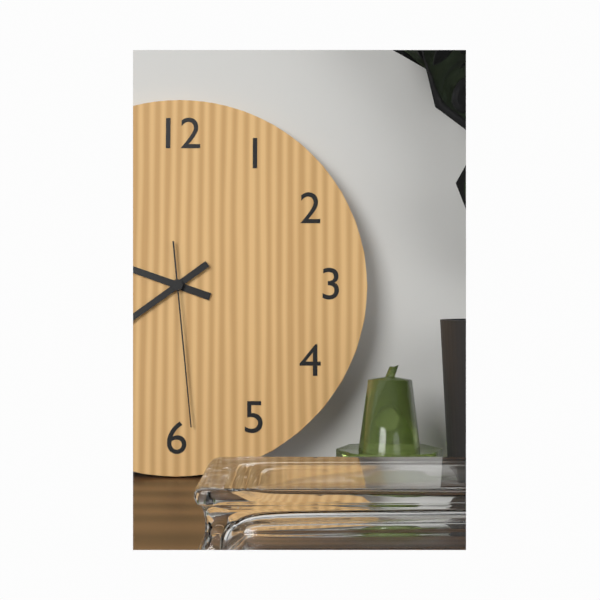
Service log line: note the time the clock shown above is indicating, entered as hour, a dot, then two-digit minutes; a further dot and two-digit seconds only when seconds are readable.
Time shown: 9.39.29
